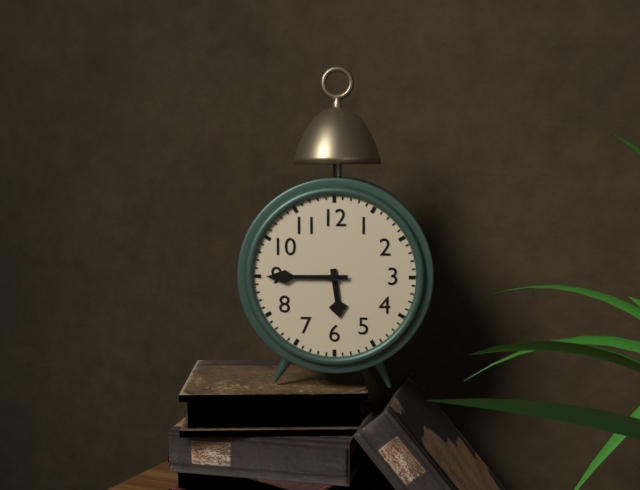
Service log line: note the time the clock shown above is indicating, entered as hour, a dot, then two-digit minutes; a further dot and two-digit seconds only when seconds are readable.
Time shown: 5.45
